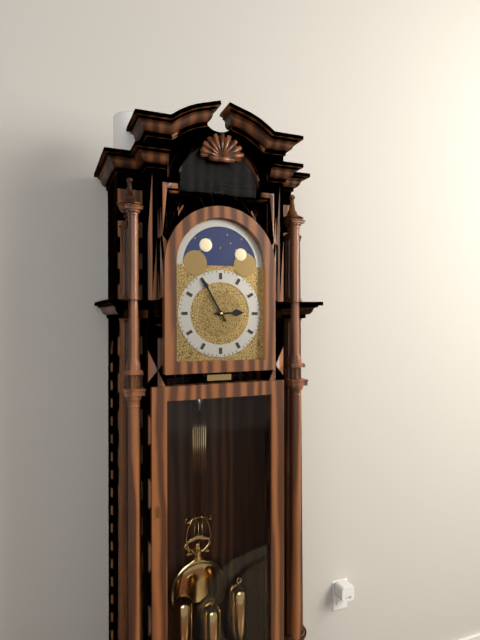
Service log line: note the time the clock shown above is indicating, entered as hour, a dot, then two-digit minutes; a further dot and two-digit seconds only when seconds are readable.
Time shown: 2.55
